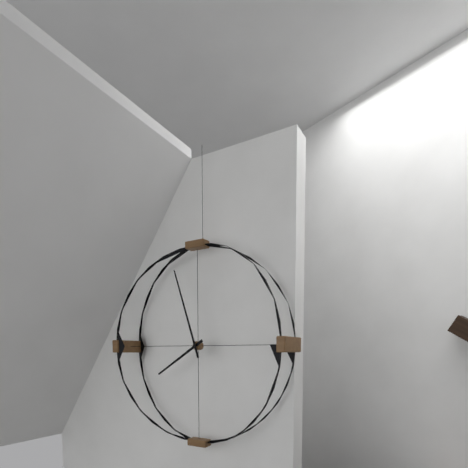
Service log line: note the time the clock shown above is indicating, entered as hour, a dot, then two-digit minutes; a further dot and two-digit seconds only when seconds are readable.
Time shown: 7.57
